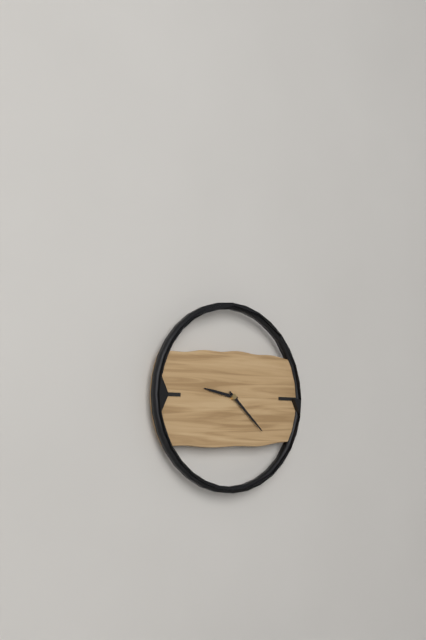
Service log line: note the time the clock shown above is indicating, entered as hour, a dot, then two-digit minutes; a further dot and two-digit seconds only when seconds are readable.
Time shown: 9.22
